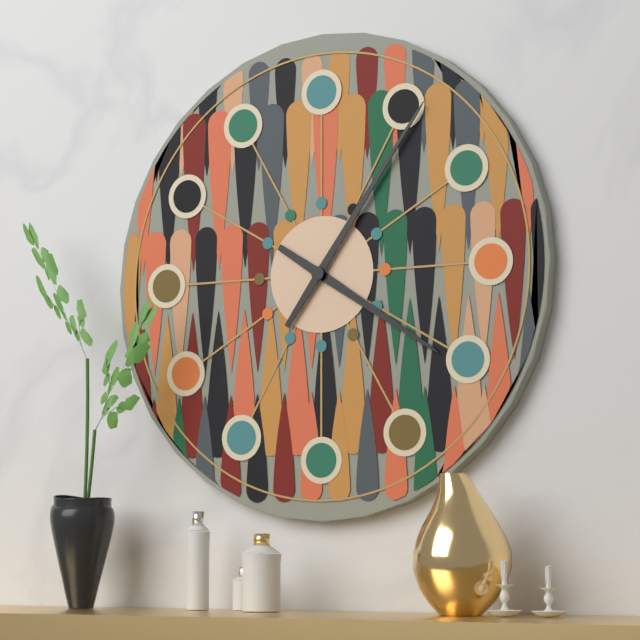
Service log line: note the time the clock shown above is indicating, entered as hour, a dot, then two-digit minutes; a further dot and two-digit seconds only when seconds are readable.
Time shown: 4.06
